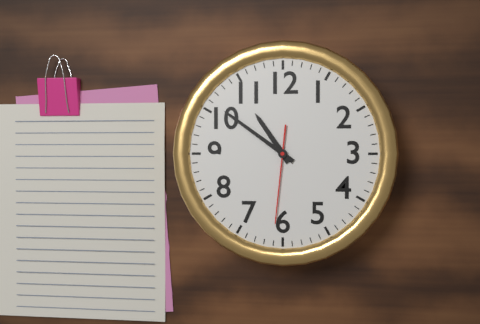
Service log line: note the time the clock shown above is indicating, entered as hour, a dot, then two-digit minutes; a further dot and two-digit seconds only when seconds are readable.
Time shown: 10.51.31
